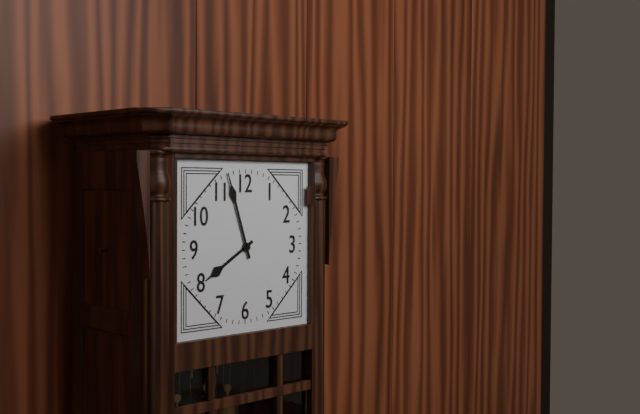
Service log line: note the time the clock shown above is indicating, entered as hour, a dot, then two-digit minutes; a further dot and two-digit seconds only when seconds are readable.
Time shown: 7.57
